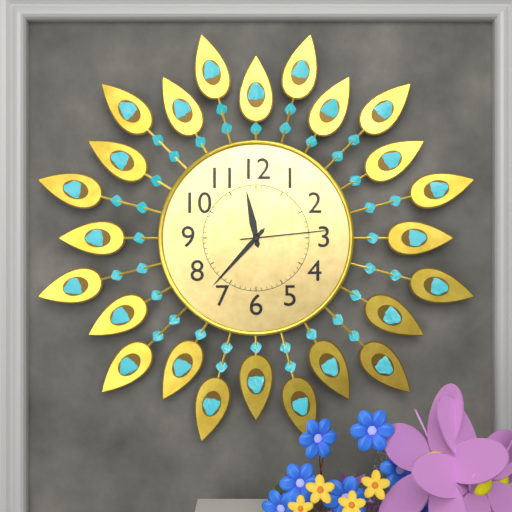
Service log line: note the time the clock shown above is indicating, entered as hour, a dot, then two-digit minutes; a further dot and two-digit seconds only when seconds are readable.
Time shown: 11.37.14
